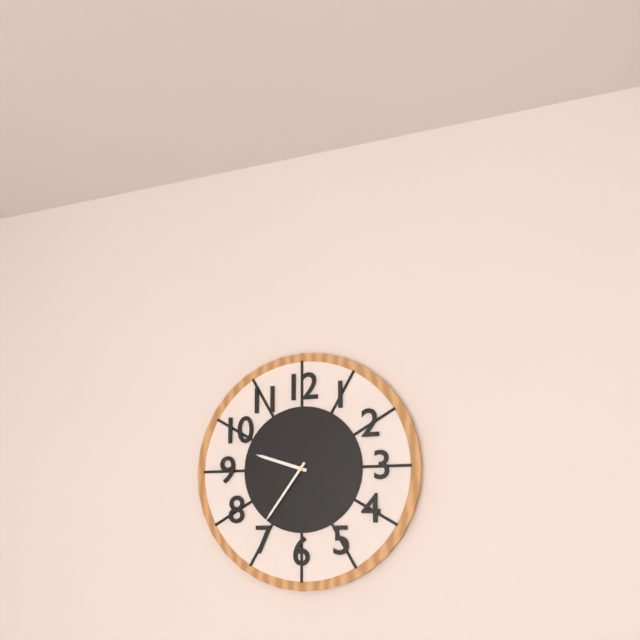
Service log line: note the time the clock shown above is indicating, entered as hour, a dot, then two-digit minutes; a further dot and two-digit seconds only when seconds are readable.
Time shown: 9.36
